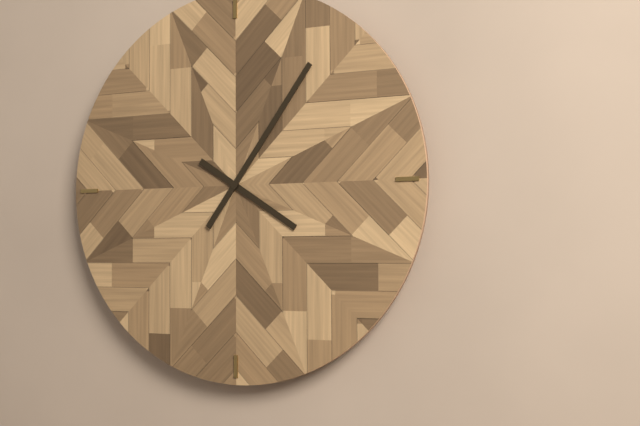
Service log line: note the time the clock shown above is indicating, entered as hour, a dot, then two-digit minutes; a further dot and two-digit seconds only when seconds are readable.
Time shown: 4.06
